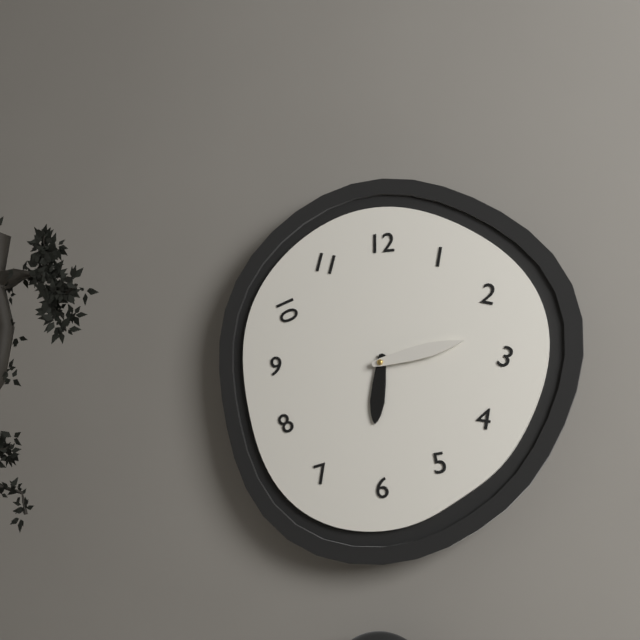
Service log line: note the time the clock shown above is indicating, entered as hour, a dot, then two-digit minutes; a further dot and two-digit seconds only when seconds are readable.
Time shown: 6.13
